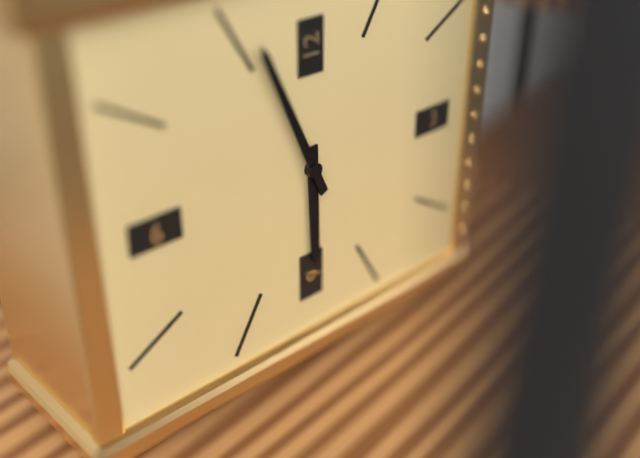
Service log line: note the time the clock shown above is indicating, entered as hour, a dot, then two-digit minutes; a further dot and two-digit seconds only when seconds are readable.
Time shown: 5.56
